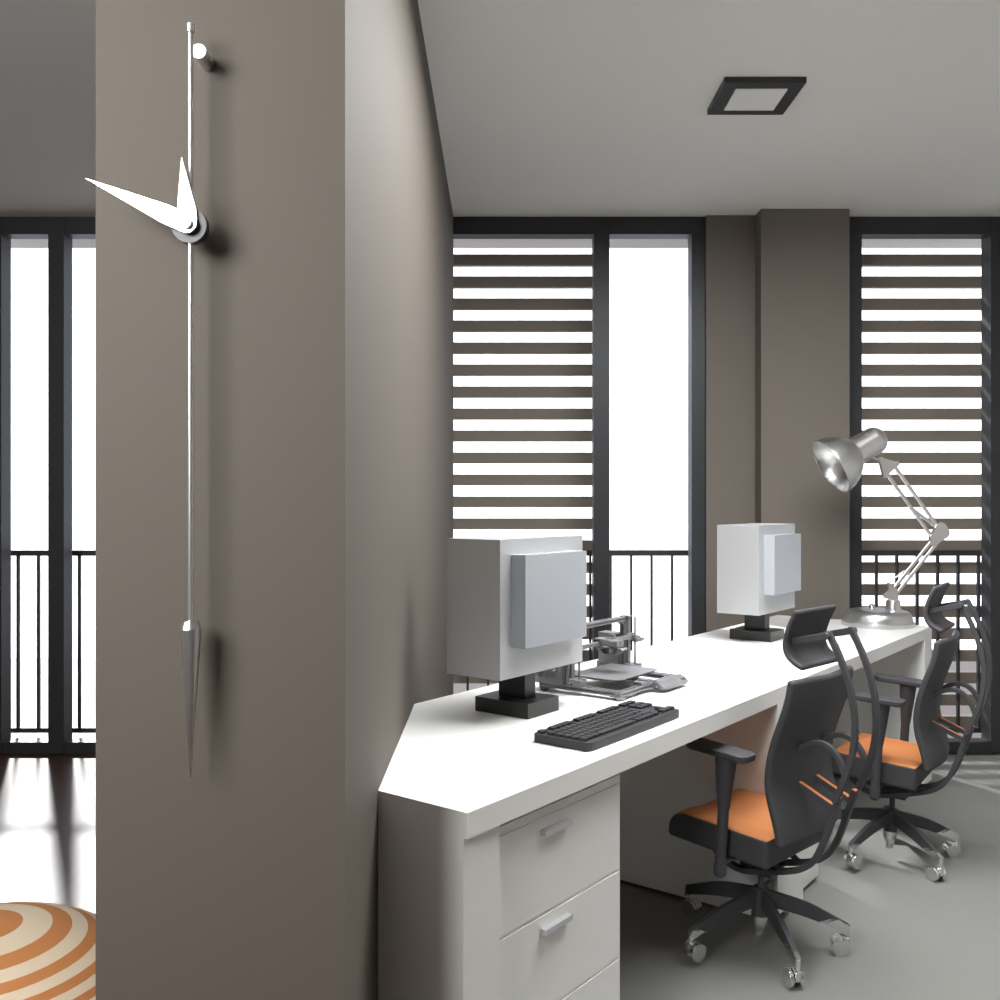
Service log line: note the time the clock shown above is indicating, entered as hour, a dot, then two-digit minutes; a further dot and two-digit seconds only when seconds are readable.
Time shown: 11.49
